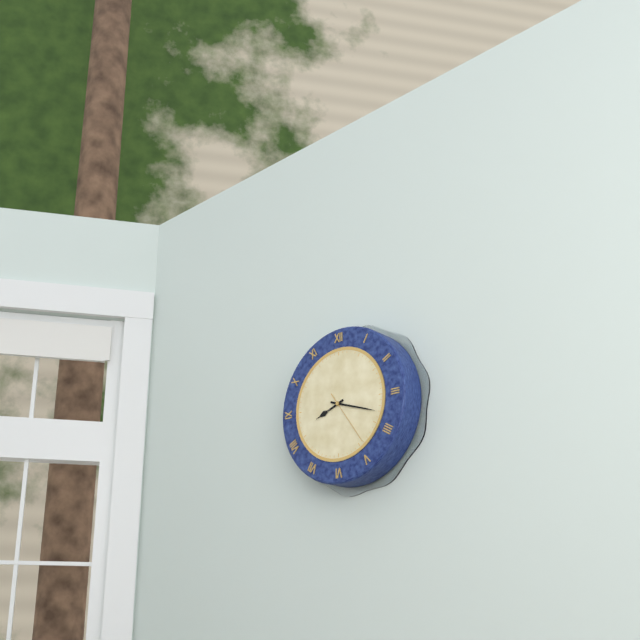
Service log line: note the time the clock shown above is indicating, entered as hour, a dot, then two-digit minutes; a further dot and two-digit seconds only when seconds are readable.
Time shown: 8.18.24
